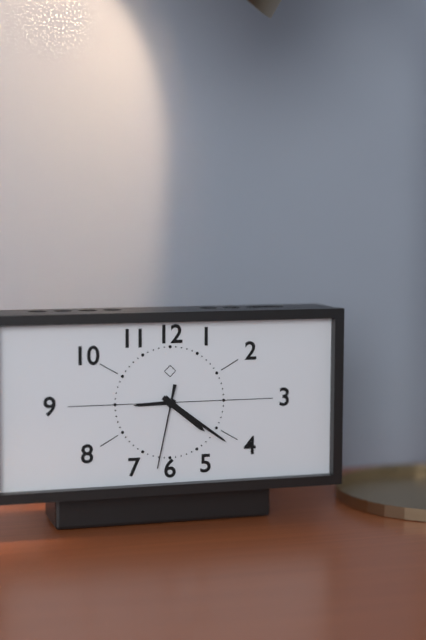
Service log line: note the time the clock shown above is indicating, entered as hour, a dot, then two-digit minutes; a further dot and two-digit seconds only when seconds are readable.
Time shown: 4.21.32
